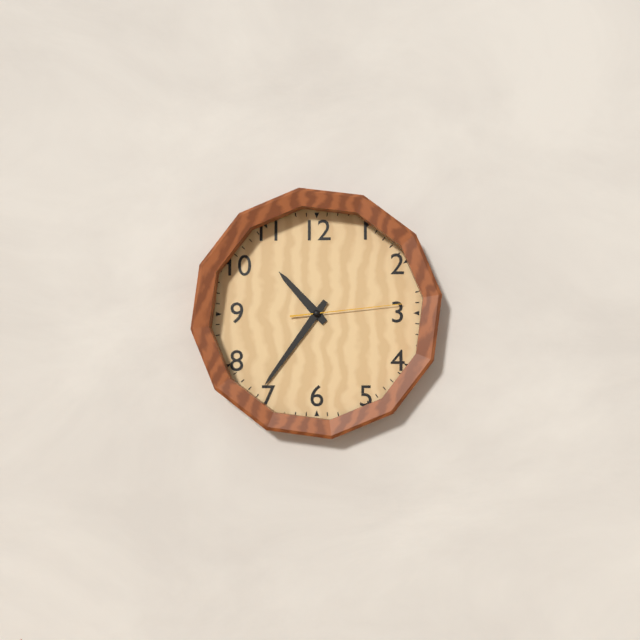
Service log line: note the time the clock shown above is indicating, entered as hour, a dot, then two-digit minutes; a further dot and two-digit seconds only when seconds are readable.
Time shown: 10.36.14
